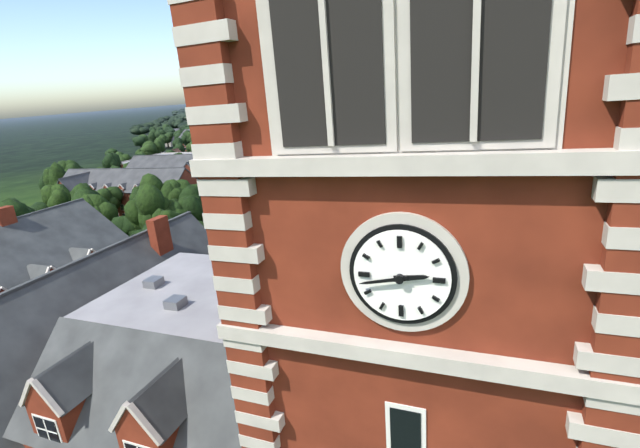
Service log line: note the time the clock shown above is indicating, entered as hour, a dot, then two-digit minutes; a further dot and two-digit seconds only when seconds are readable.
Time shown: 2.43
